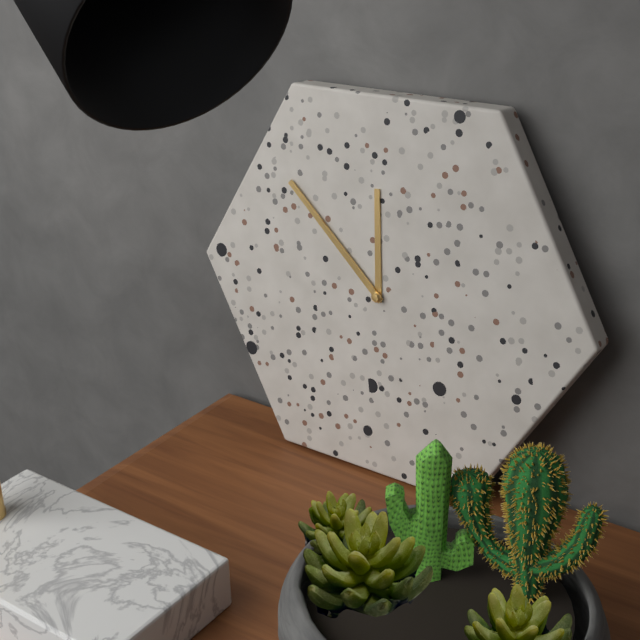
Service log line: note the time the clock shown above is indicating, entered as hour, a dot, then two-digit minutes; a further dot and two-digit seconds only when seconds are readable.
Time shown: 11.52
